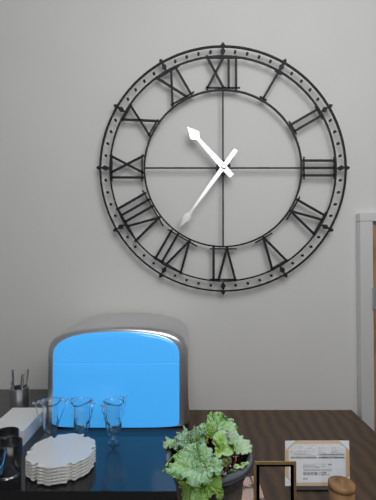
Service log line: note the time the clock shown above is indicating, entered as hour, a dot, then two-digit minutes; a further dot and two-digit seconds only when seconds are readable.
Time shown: 10.36
